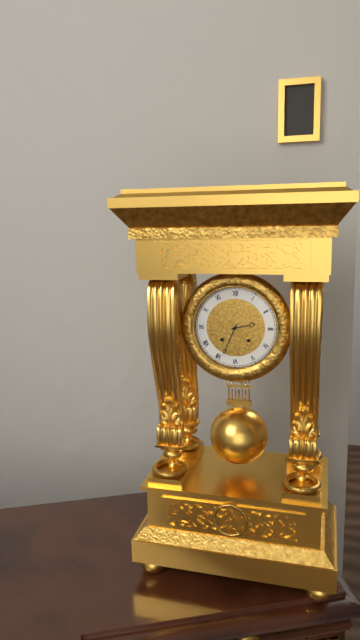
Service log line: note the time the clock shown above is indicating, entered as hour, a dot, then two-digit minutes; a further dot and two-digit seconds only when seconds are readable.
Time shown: 2.34
